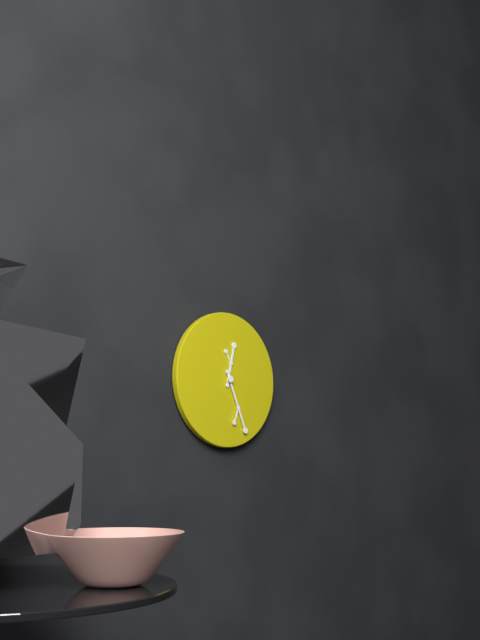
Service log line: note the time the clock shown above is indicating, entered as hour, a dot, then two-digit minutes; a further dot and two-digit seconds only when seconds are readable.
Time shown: 12.26
